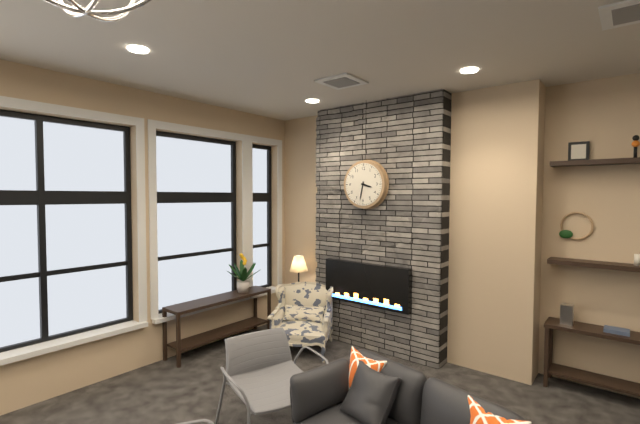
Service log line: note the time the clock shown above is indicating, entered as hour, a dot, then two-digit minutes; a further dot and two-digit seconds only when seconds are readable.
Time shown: 3.32
